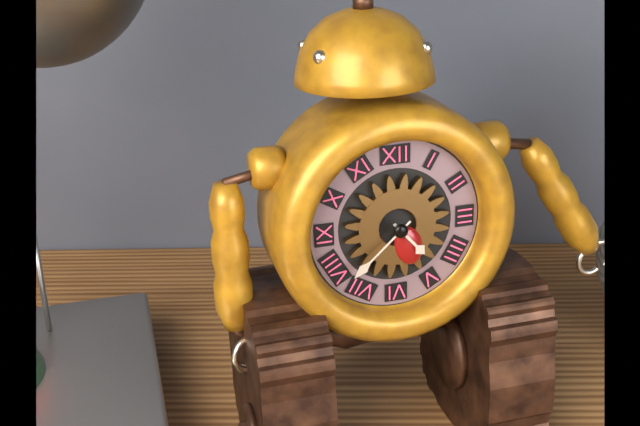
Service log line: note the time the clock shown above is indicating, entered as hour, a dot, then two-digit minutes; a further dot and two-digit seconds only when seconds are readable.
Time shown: 4.38
